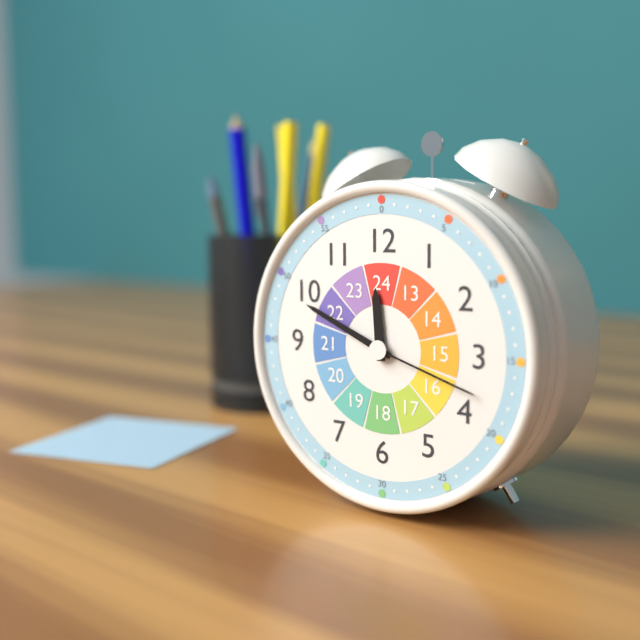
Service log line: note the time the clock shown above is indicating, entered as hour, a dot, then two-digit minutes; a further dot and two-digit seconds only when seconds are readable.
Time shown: 11.49.18
